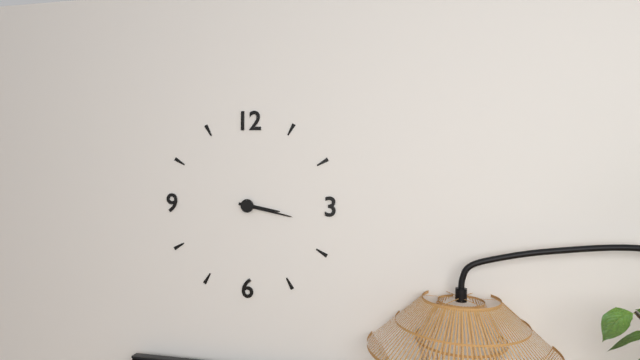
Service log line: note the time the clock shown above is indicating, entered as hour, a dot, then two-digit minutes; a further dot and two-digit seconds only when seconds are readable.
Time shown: 3.17
